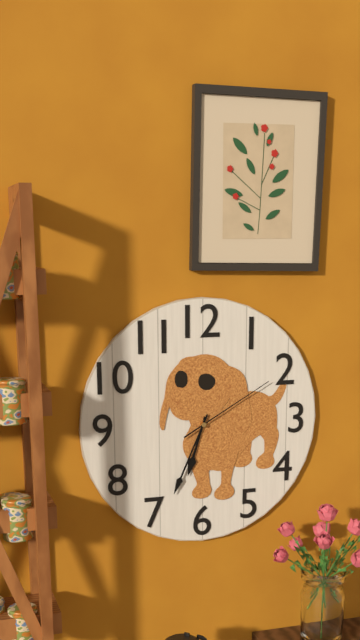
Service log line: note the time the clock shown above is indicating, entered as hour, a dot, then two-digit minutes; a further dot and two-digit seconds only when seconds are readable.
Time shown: 6.34.10
